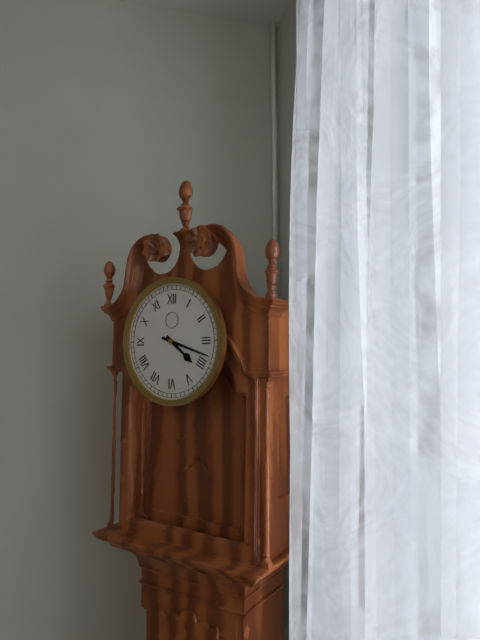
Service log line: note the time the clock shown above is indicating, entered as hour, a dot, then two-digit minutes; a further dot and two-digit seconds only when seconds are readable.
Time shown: 4.18
